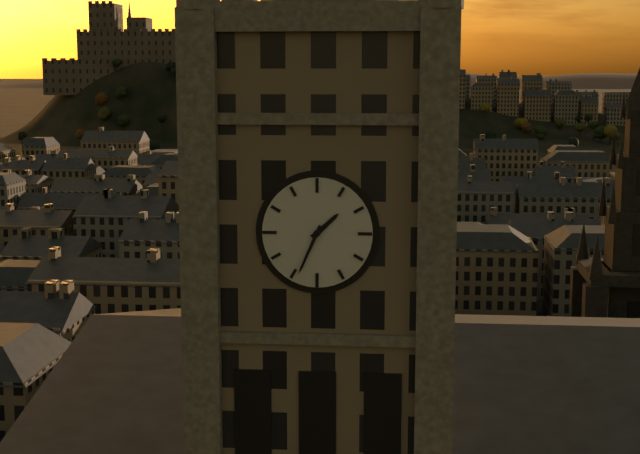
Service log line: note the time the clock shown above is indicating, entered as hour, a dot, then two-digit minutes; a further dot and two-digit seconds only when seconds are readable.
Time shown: 1.34
